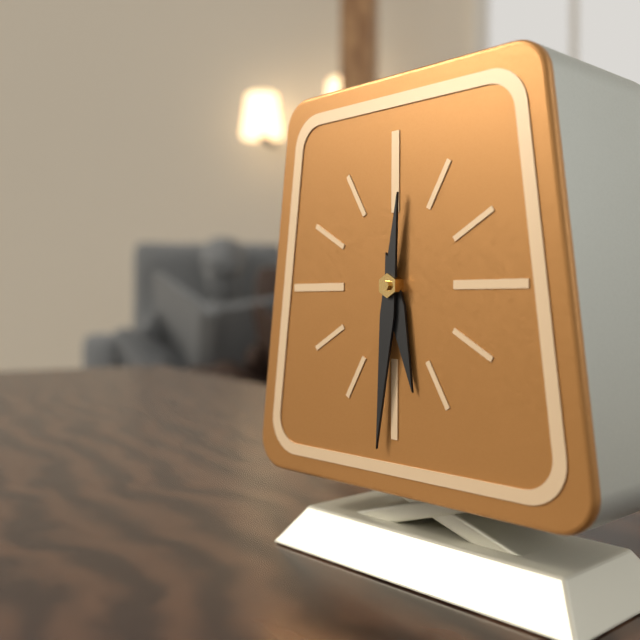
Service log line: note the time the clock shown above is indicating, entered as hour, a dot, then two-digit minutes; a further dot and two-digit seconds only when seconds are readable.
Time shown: 5.31
